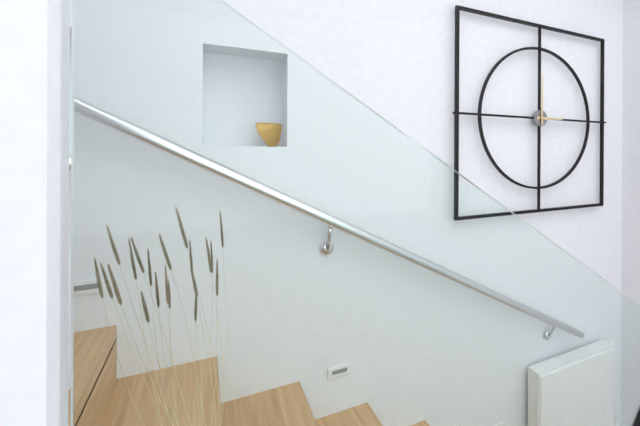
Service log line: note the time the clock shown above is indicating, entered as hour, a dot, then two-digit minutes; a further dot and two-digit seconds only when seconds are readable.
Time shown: 3.00
